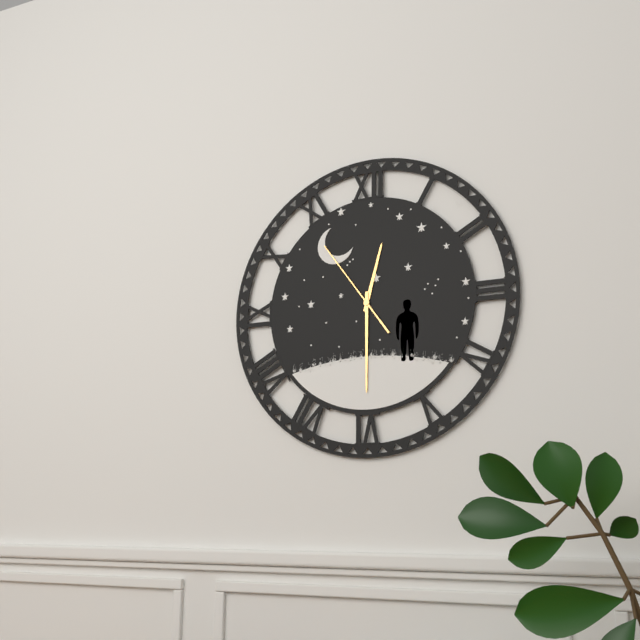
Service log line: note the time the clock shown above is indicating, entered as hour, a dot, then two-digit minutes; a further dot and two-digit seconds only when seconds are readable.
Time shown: 12.30.54
